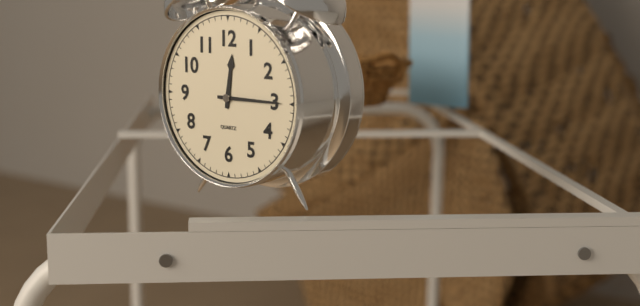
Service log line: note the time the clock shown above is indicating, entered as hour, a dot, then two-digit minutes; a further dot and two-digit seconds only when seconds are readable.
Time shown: 12.15
